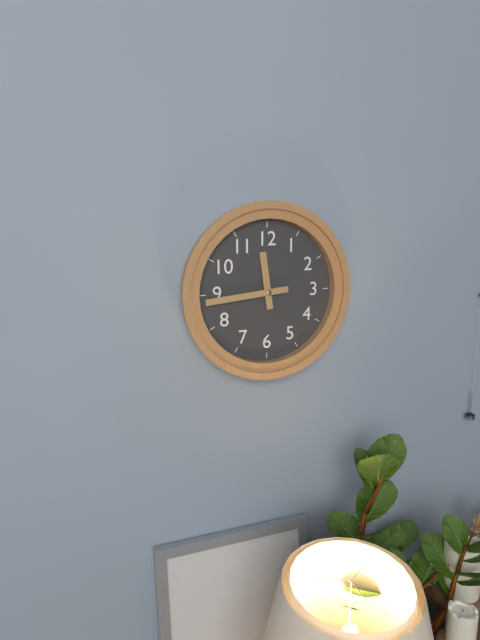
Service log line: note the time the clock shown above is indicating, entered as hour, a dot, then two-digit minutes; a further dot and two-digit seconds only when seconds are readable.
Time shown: 11.44
